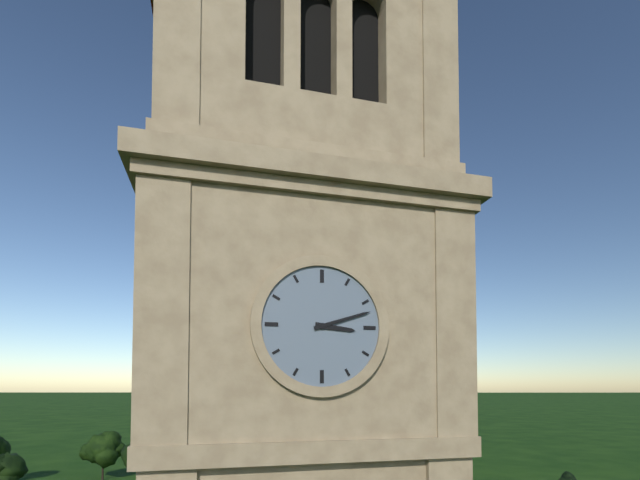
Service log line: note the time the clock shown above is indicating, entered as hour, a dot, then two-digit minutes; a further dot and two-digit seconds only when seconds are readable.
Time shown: 3.12
